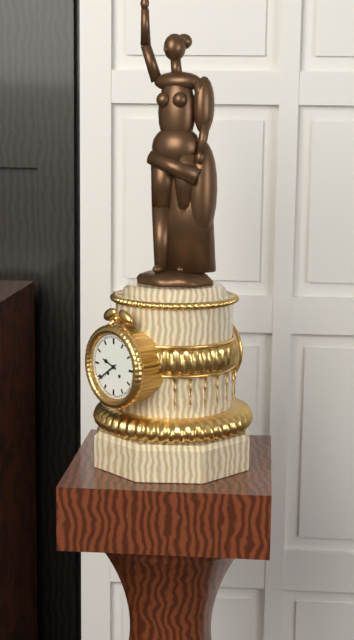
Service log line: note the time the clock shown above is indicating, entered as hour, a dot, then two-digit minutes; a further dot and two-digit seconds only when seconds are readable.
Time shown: 9.39
